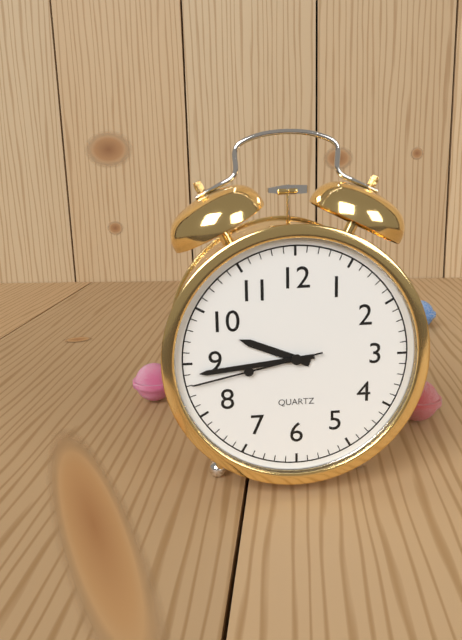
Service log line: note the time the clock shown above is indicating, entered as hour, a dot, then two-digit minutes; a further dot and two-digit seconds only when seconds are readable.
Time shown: 9.44.43
